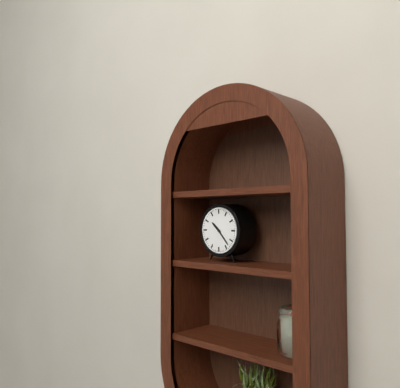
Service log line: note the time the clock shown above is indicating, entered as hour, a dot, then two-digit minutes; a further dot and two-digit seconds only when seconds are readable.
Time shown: 10.23
